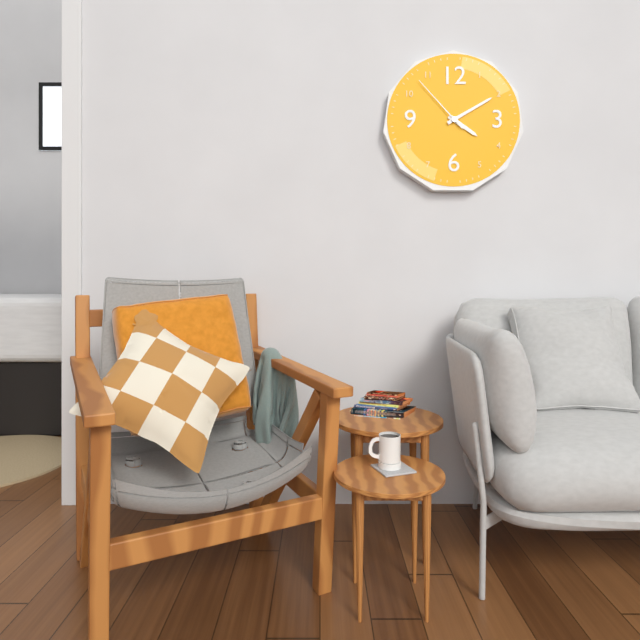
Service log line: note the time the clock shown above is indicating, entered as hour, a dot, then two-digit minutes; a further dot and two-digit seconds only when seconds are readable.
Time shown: 4.10.53
